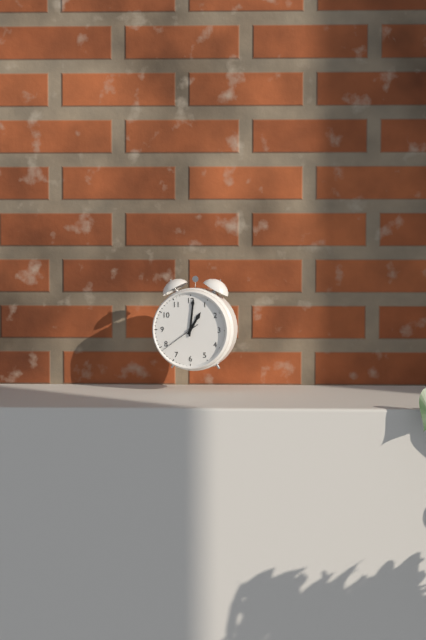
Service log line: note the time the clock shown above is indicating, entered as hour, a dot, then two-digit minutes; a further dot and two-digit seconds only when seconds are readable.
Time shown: 1.01
